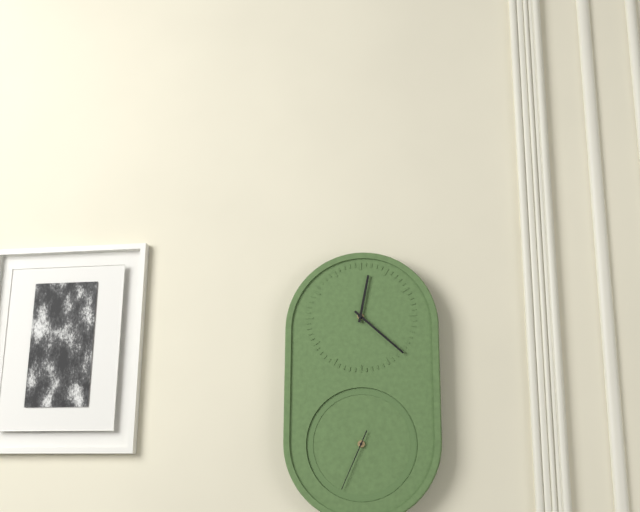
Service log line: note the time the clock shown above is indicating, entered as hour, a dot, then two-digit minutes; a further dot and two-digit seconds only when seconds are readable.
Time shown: 12.22.34
